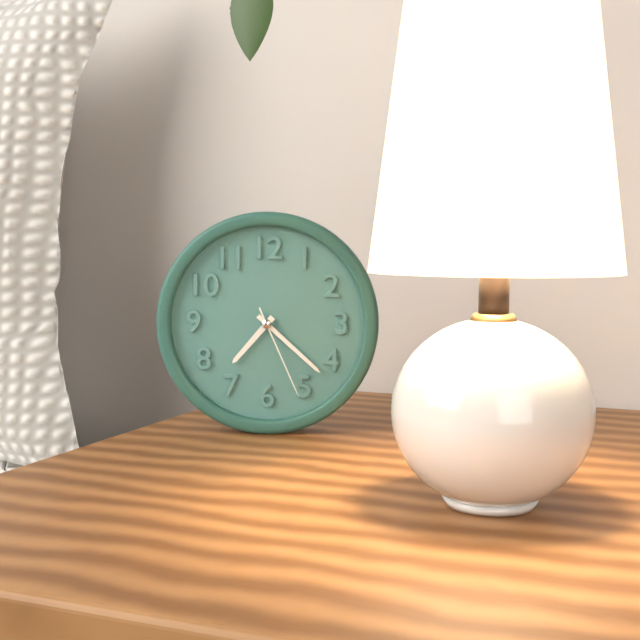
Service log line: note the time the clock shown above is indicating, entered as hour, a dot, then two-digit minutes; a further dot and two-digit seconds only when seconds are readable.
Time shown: 7.22.26
